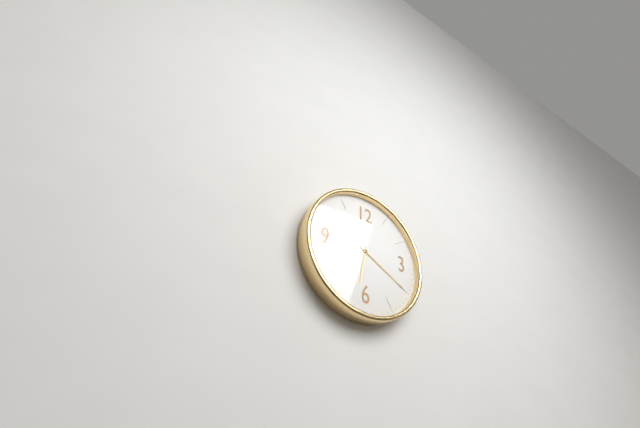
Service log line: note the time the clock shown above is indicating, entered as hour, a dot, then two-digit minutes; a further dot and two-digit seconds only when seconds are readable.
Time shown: 6.20
